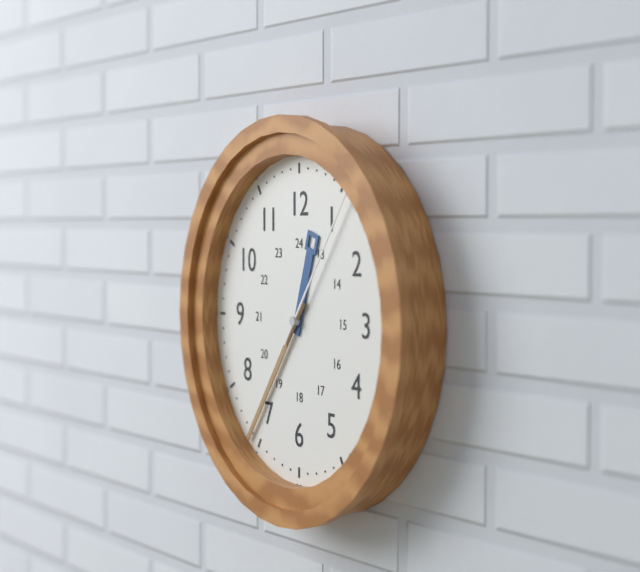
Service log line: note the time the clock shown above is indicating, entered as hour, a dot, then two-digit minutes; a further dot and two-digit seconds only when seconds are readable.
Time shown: 12.36.06
